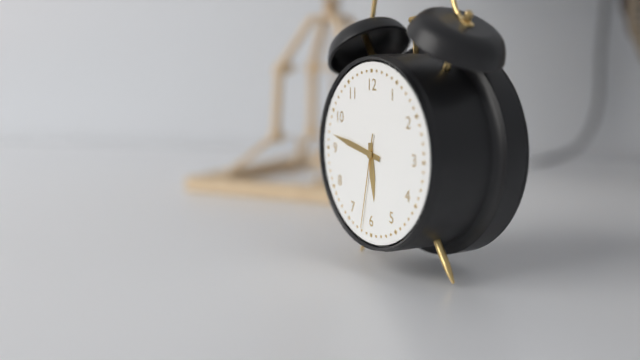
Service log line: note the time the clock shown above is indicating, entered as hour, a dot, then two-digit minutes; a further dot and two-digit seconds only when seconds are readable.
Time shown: 5.47.32
